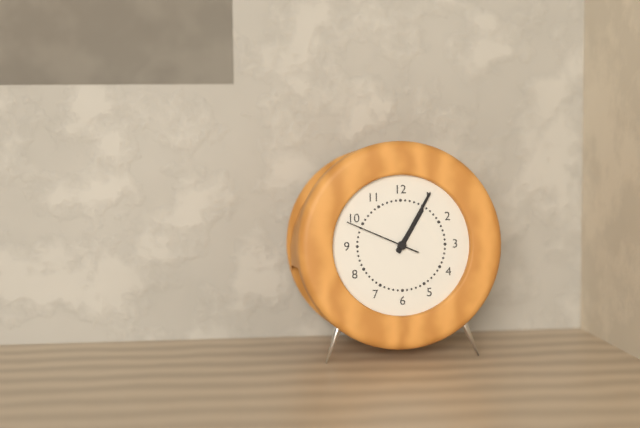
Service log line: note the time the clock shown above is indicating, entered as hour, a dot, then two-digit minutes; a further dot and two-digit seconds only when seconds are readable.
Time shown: 1.05.49
